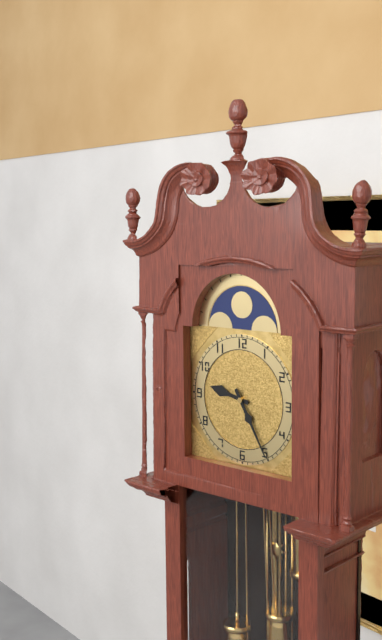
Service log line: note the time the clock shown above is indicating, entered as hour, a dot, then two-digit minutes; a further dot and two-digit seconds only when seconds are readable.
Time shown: 9.25
